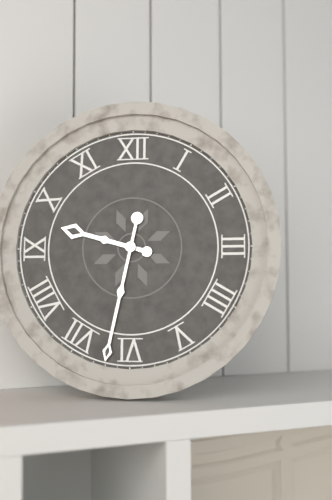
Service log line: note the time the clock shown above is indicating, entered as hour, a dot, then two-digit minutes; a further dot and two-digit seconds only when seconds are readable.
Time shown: 9.32
